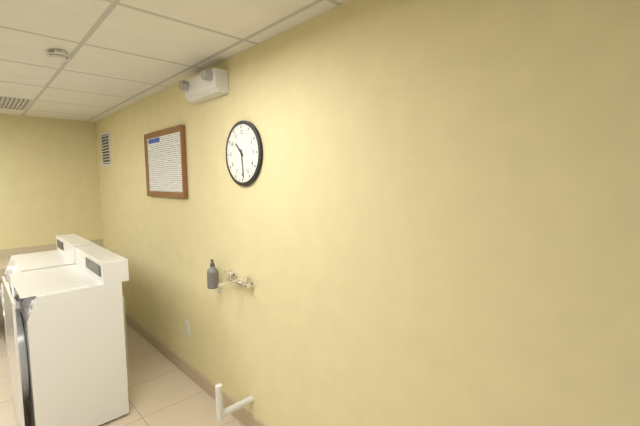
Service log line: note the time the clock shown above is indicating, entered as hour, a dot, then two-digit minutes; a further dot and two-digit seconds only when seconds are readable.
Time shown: 10.29
